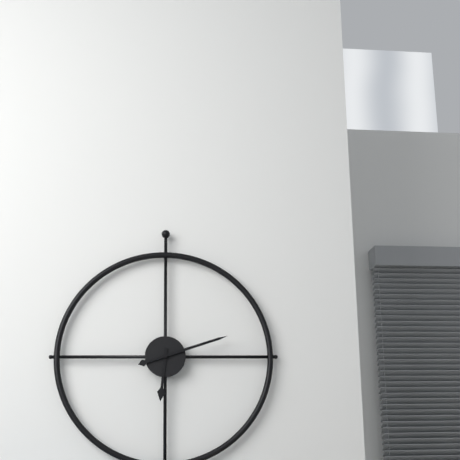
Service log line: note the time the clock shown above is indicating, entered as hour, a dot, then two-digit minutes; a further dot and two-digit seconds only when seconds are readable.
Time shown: 6.12
